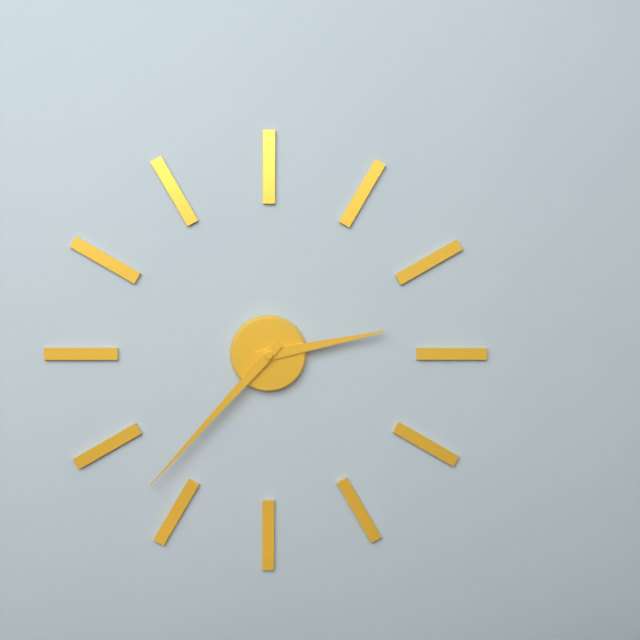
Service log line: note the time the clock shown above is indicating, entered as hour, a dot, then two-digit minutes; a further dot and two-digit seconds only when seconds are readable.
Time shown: 2.37
